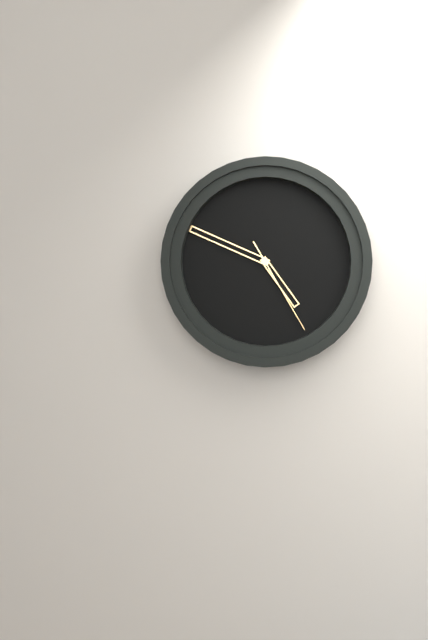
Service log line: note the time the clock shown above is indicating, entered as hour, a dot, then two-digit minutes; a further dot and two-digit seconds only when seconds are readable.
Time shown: 4.49.25
